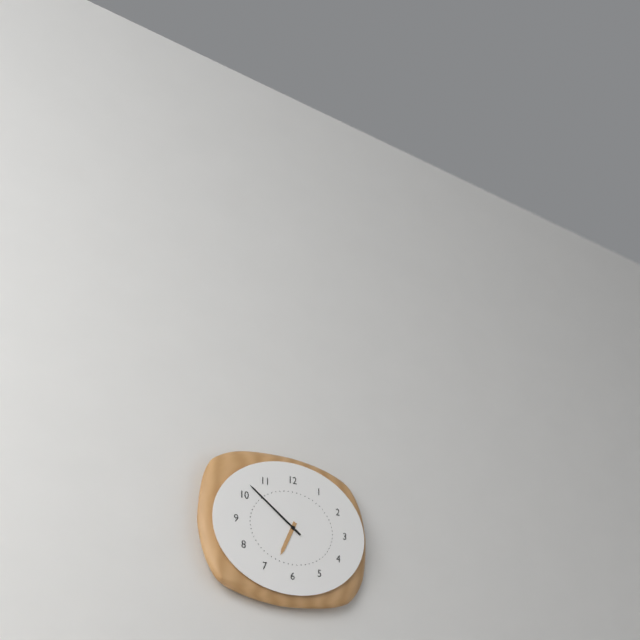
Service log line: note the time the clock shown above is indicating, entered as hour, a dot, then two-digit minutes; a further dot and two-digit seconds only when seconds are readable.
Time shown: 6.51
